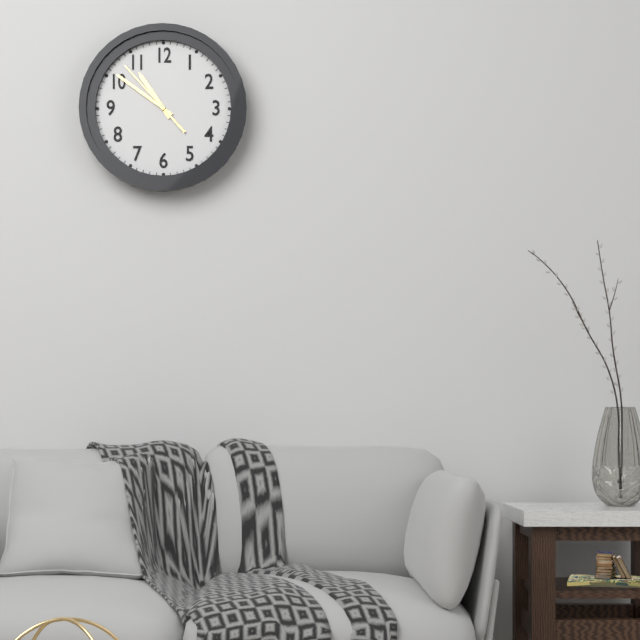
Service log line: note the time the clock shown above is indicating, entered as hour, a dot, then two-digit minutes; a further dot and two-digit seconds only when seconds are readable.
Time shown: 10.51.53
